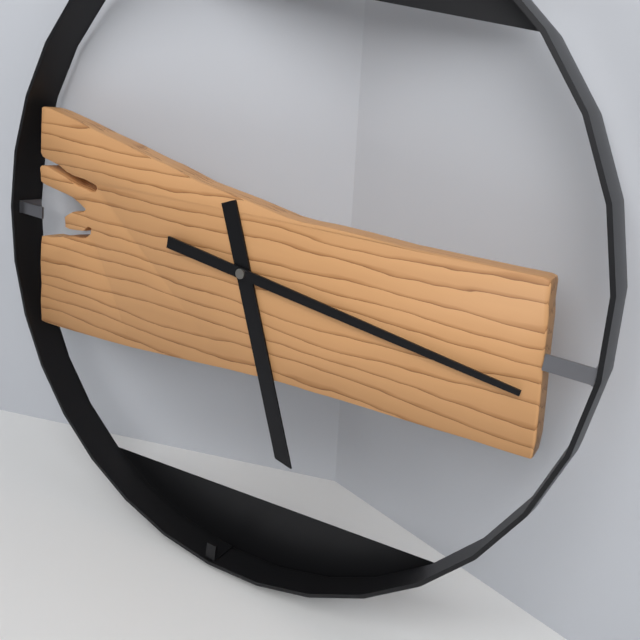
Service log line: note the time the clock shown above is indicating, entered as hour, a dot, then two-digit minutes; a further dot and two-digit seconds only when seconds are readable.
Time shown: 5.16
